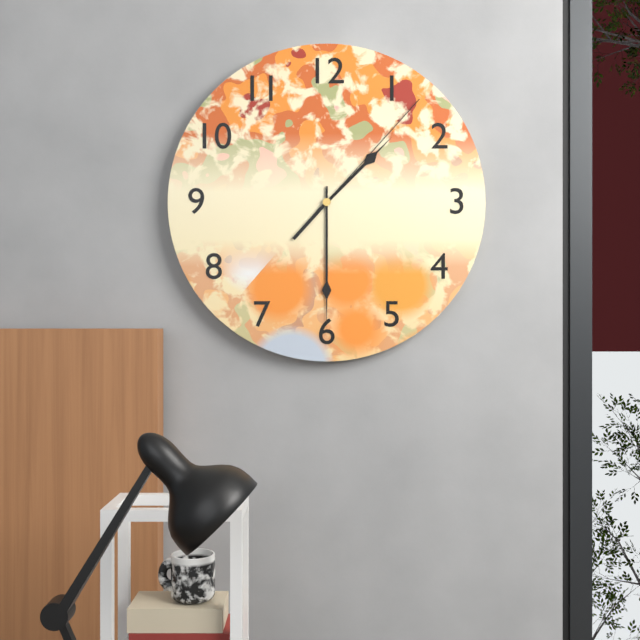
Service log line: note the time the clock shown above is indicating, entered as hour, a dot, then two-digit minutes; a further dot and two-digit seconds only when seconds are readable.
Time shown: 1.30.07
